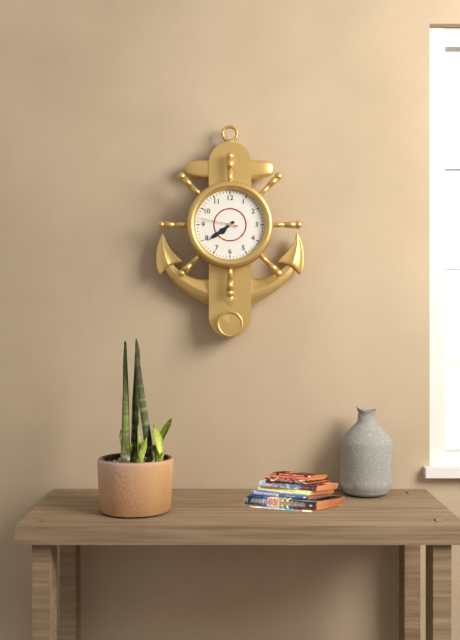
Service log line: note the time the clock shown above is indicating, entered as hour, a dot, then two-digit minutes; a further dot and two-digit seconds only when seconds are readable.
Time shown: 7.39
